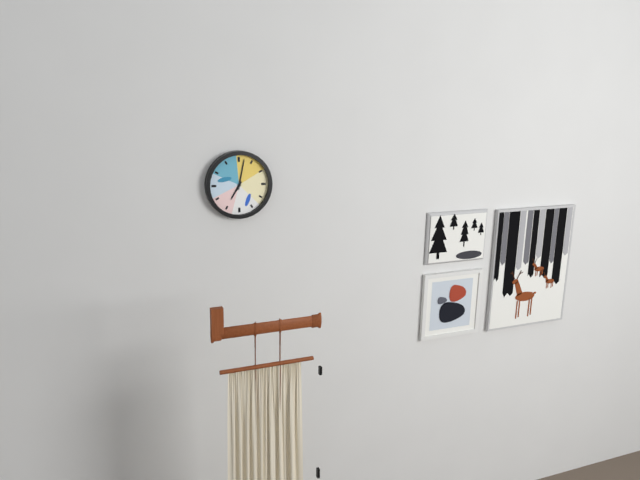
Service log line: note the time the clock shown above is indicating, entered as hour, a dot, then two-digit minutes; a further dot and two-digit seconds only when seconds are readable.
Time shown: 7.02
